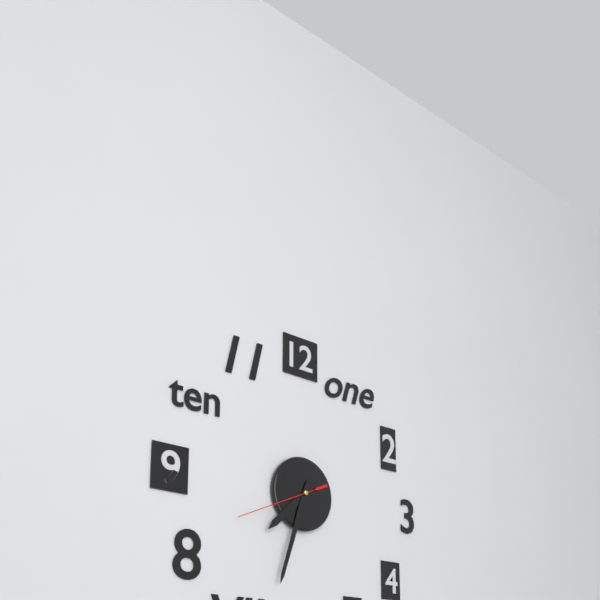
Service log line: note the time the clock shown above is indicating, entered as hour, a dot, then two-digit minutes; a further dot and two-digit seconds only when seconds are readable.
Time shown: 7.33.41
